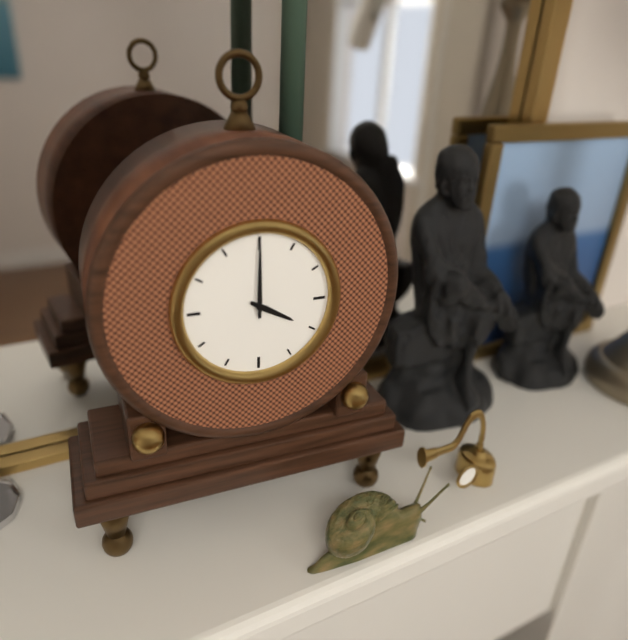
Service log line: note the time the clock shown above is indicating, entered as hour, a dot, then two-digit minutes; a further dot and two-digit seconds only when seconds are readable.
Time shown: 4.00
